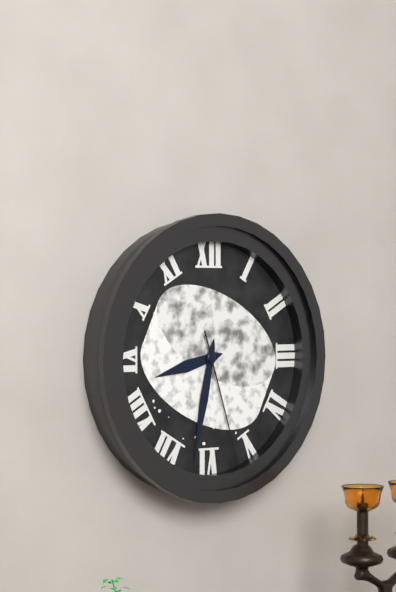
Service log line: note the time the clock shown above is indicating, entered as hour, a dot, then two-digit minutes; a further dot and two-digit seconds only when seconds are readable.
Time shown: 8.32.27
